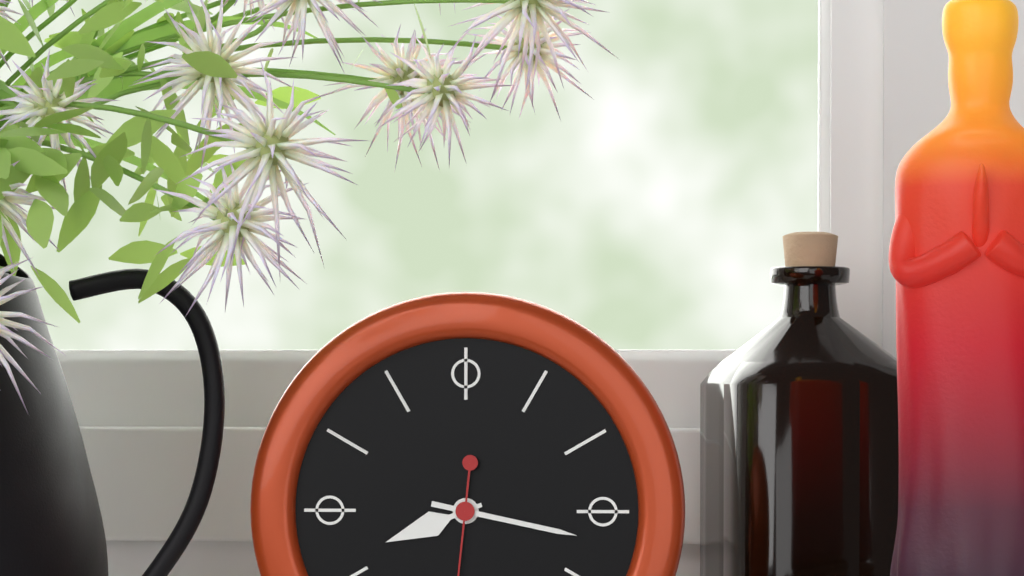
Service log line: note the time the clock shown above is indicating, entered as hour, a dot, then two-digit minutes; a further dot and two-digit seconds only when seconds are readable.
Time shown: 8.17
